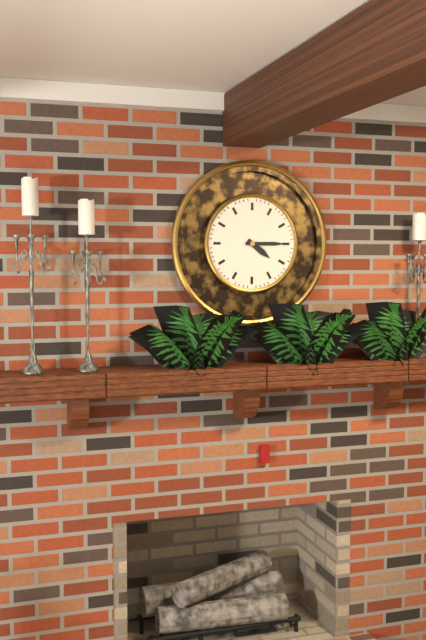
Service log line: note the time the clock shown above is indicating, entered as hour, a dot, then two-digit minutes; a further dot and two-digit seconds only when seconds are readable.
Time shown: 4.15
